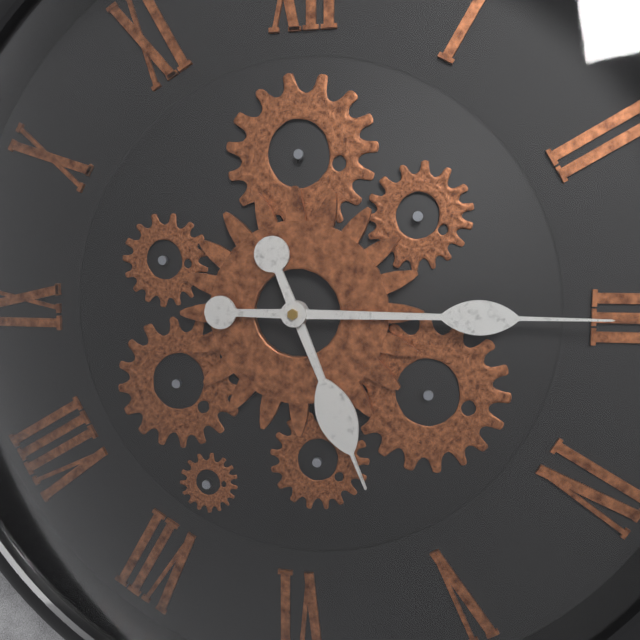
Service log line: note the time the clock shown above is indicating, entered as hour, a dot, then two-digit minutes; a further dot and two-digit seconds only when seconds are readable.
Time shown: 5.15
